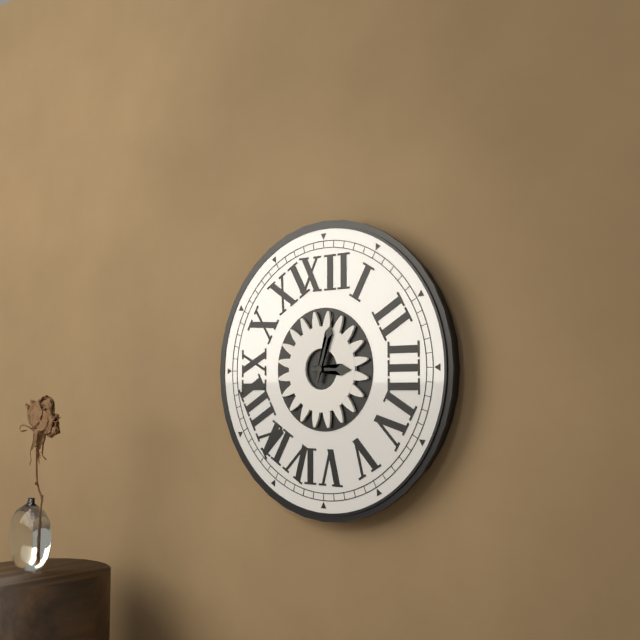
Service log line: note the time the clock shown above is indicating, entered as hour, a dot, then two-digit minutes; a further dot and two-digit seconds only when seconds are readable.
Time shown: 3.03
